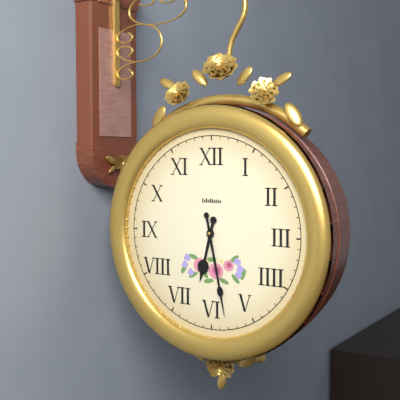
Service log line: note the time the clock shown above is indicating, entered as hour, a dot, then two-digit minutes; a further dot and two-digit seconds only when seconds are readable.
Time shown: 6.28
